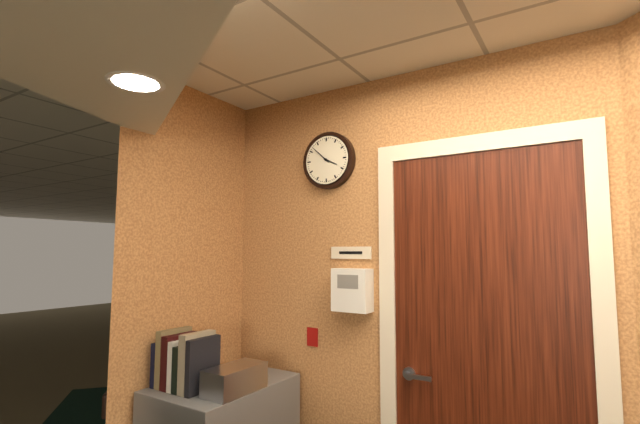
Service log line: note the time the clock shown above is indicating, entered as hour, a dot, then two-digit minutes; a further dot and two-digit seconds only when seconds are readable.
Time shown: 3.52
